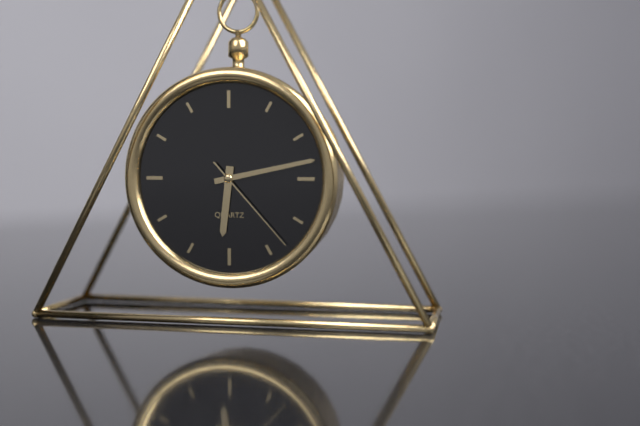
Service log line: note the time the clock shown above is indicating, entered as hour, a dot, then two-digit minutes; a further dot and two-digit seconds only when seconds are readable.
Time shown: 6.13.23
